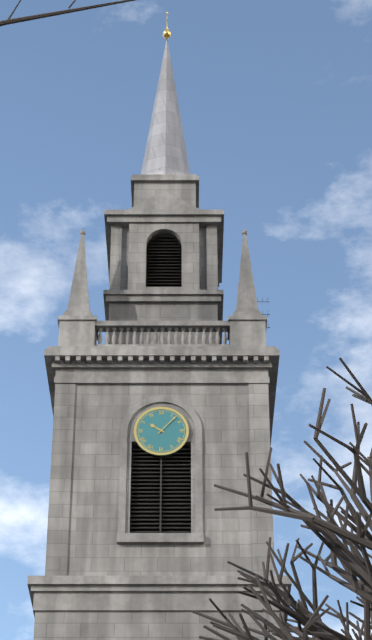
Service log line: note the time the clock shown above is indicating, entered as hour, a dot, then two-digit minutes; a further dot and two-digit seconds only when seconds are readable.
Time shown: 10.07
